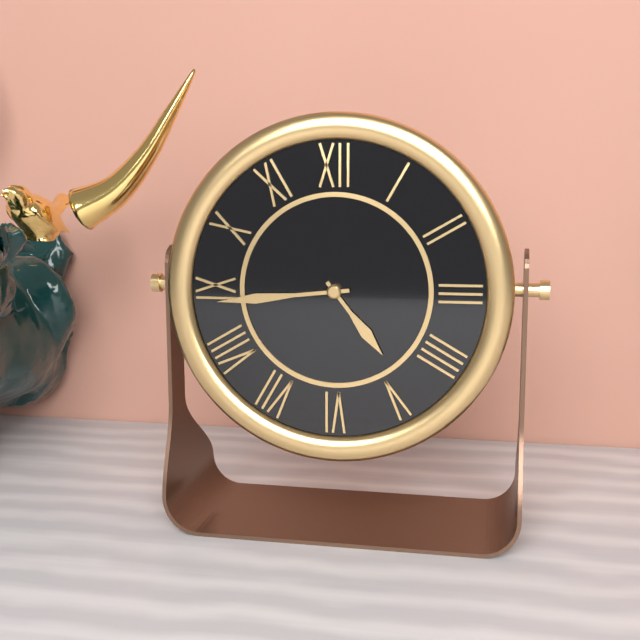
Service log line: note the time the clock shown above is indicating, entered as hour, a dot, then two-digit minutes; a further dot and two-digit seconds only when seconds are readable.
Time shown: 4.44
